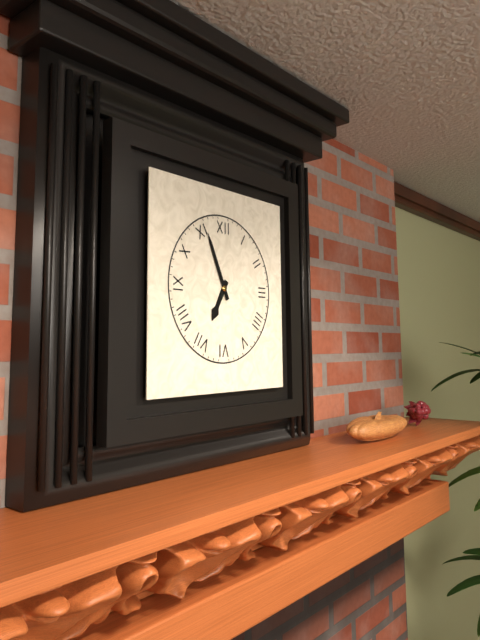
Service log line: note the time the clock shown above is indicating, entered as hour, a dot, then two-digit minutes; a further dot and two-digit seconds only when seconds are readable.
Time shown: 6.56
